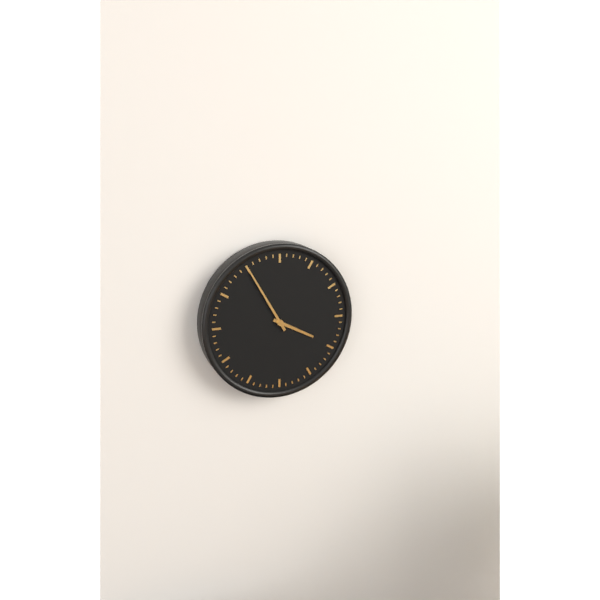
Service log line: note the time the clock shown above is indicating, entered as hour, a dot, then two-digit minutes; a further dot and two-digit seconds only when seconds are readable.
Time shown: 3.55
